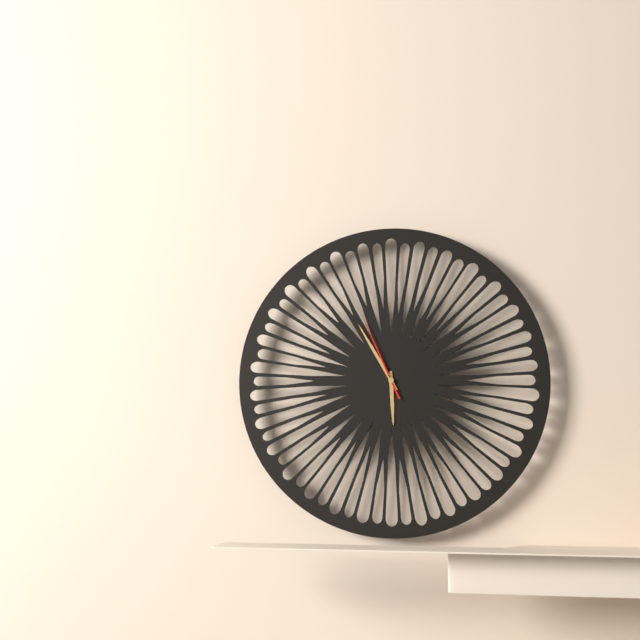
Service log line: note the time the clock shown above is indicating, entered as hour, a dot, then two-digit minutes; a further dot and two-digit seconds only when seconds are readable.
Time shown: 5.55.56
